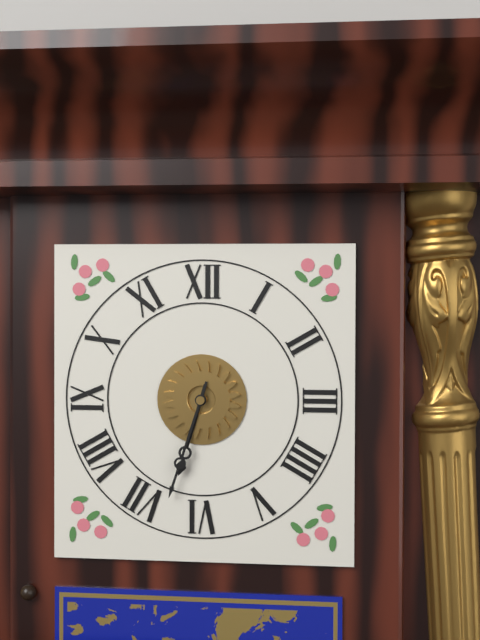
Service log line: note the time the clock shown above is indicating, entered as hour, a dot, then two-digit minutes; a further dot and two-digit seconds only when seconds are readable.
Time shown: 6.33
